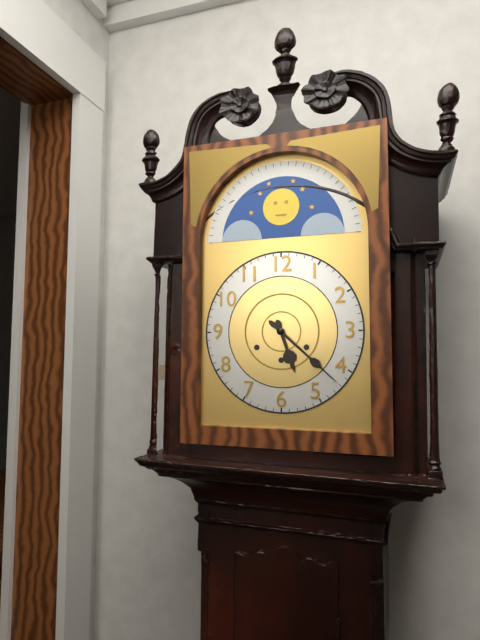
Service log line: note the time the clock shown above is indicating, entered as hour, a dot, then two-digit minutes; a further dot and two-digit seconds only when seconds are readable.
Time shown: 5.22
